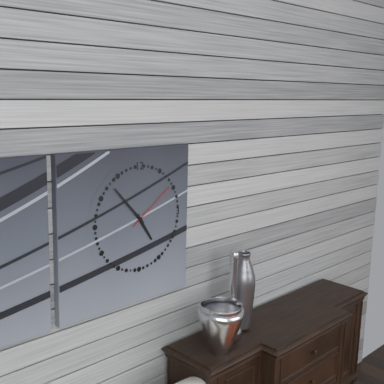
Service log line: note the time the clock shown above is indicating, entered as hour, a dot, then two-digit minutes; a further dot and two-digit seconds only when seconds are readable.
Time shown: 4.53.09
